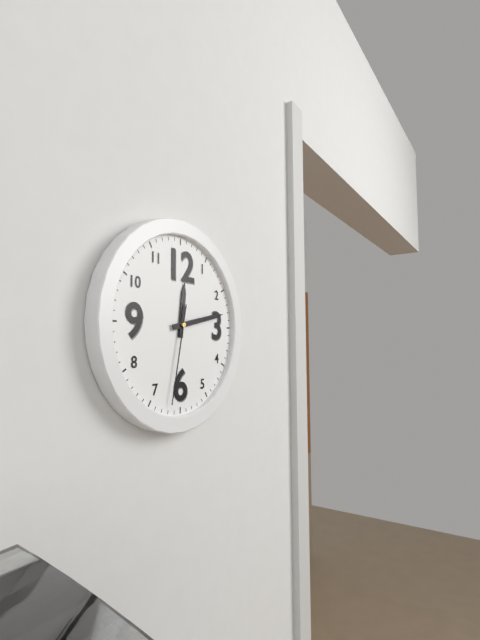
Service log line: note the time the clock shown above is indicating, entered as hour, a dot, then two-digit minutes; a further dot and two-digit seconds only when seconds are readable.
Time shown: 12.13.32
